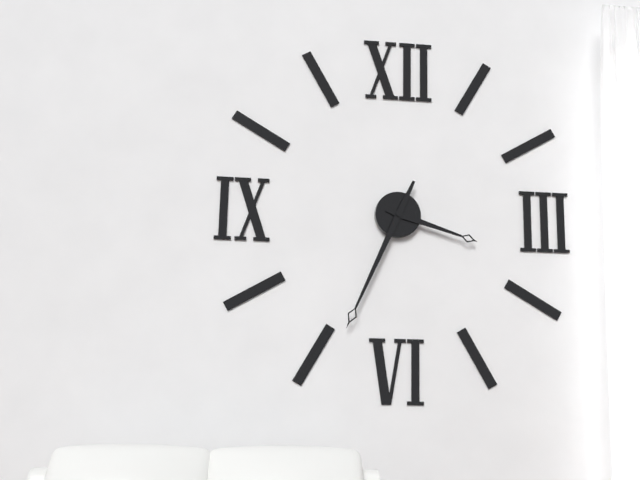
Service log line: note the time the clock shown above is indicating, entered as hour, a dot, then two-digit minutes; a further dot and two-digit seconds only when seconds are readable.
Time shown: 3.34
